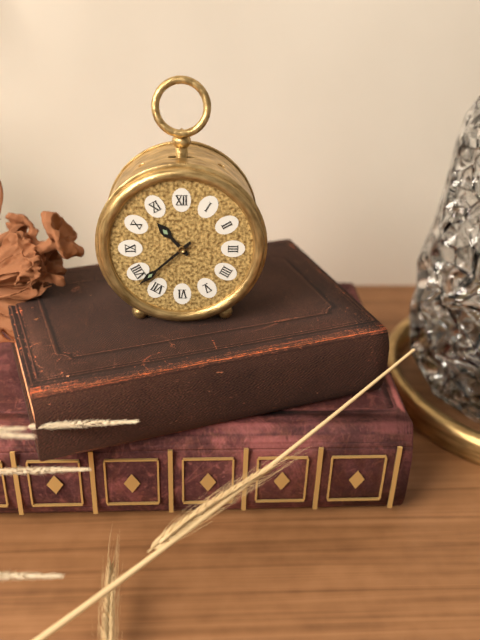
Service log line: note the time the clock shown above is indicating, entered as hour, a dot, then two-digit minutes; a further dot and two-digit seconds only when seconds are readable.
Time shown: 10.38
